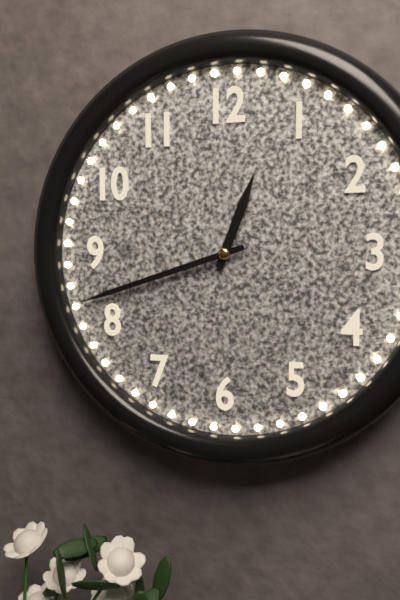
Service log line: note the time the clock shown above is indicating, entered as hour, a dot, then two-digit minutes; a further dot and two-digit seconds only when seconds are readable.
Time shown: 12.42
